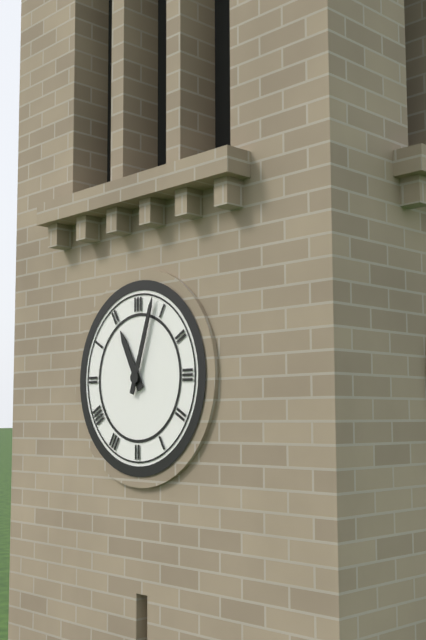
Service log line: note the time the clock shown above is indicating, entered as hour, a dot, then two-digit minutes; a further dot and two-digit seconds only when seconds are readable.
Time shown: 11.03
